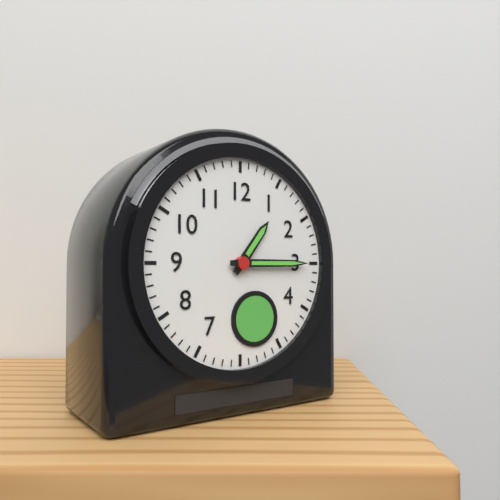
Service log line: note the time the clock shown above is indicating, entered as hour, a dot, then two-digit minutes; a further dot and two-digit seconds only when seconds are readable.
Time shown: 1.15
